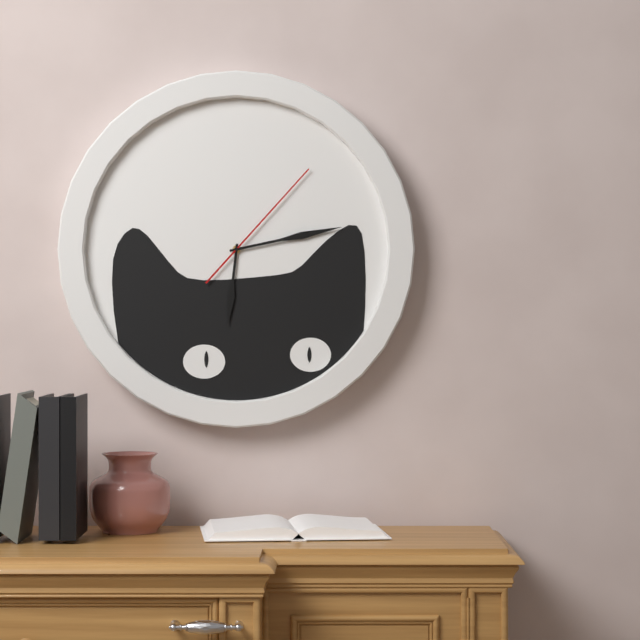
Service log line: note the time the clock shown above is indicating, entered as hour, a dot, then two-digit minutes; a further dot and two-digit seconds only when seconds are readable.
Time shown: 6.13.07
